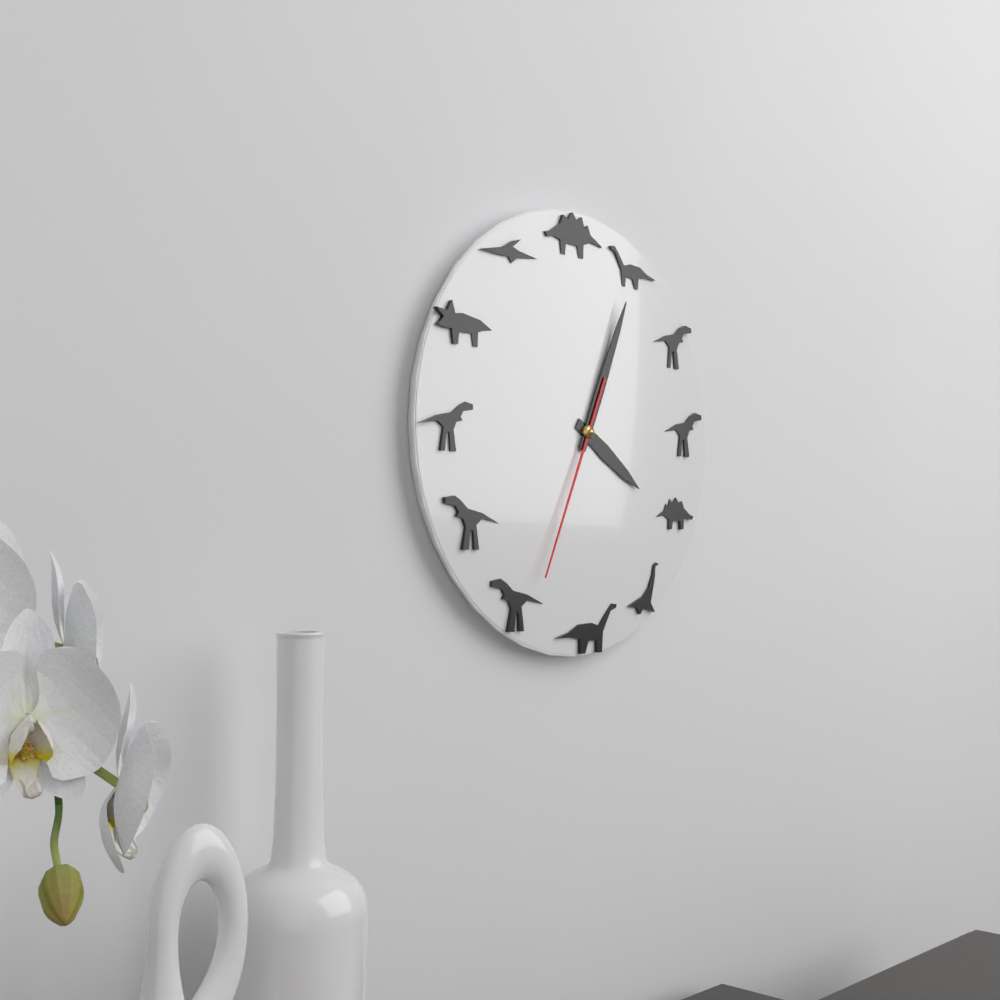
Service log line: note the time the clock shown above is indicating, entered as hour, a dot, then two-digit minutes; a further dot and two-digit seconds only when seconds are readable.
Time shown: 4.04.34
